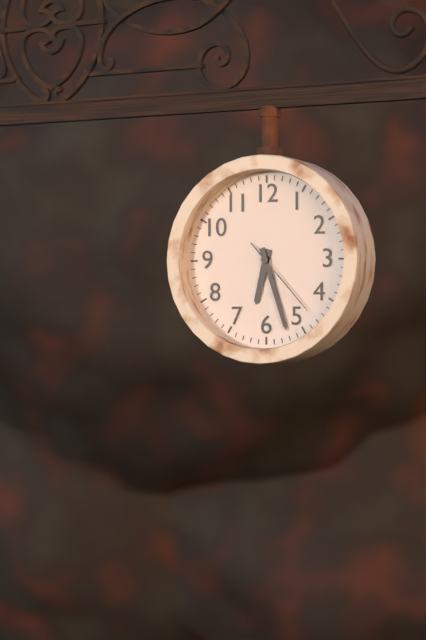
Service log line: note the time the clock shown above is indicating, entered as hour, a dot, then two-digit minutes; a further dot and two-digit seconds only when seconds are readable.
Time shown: 6.27.23
